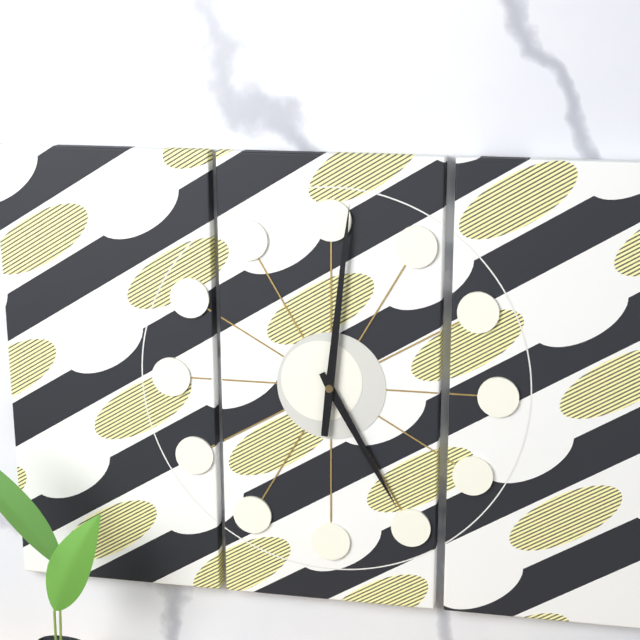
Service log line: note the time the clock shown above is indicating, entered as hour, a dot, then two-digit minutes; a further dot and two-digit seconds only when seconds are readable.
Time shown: 5.01
